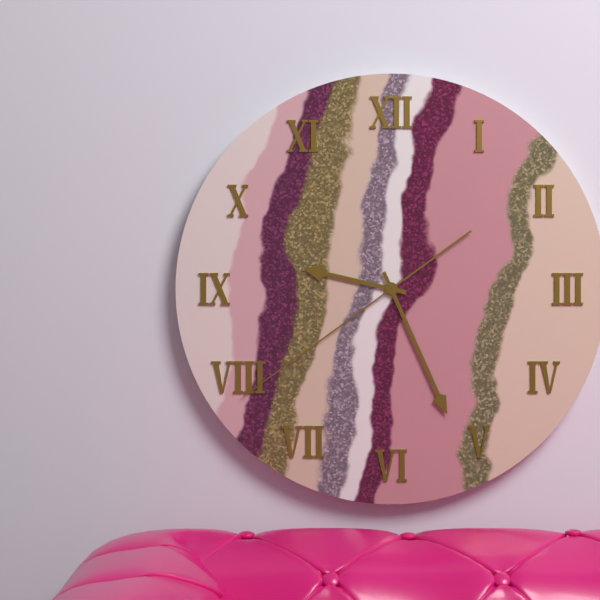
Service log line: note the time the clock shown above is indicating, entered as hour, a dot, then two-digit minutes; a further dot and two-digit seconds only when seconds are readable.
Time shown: 9.26.39
